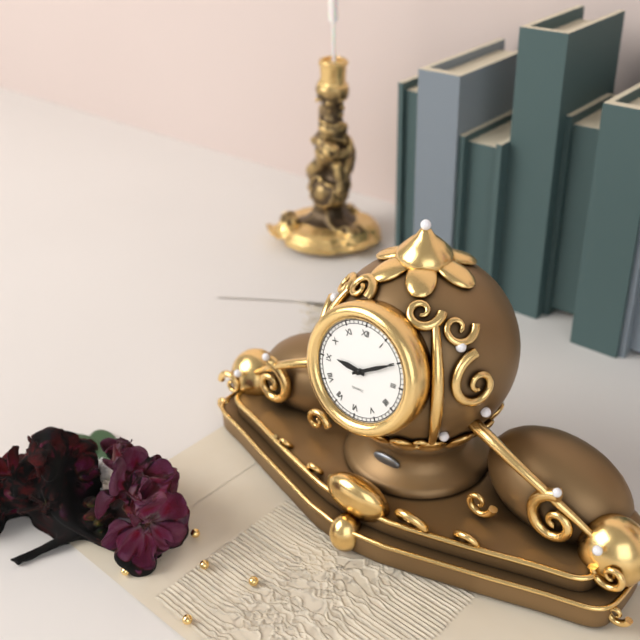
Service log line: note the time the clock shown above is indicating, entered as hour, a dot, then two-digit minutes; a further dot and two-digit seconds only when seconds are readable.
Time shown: 9.10
